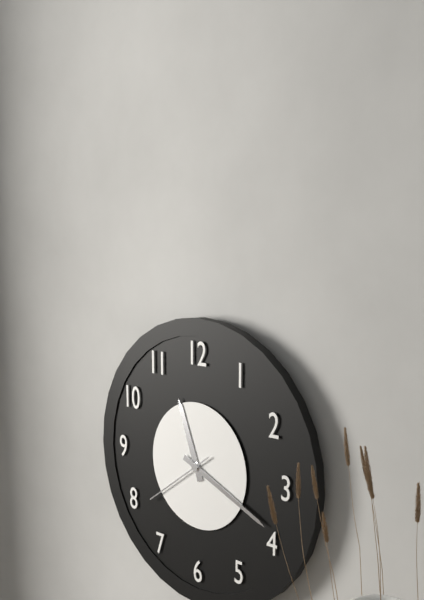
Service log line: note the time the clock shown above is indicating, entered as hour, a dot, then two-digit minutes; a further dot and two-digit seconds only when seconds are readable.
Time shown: 11.19.39
